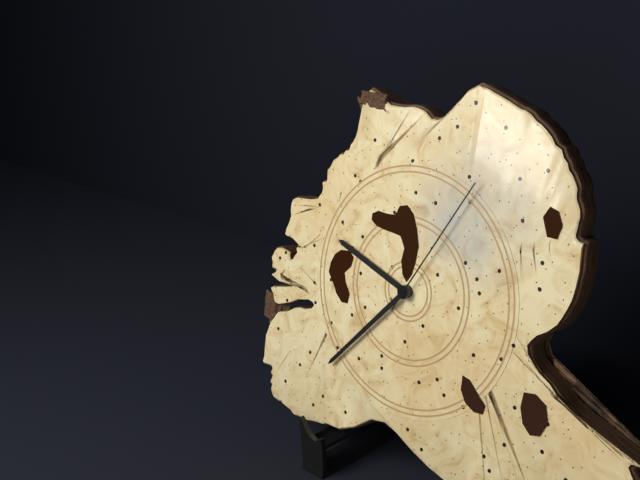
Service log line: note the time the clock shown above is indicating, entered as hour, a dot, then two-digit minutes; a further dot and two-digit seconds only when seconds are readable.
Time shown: 9.37.05
